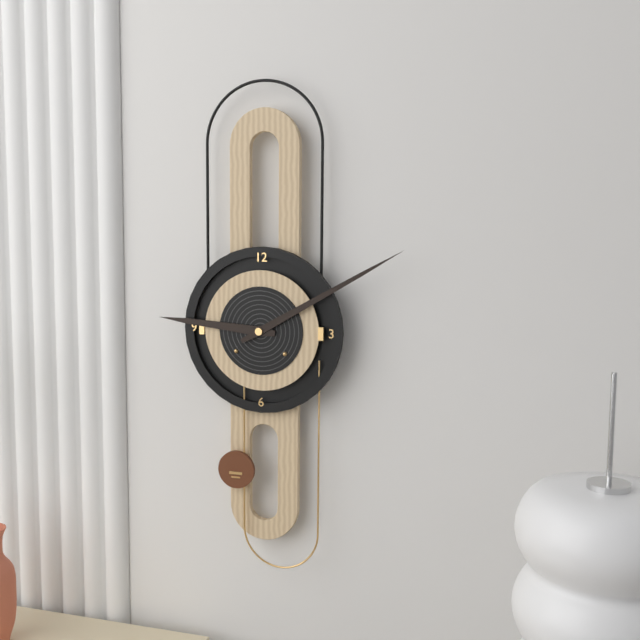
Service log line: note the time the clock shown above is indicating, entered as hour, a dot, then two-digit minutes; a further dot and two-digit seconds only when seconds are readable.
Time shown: 9.10
